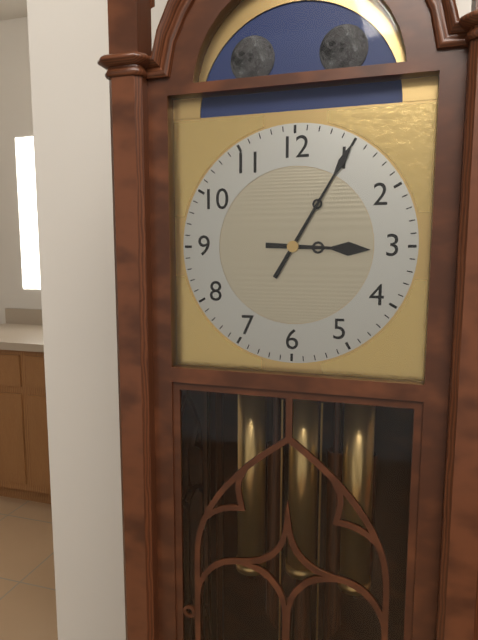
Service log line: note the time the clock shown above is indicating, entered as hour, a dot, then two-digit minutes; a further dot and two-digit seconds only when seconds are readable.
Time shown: 3.05
